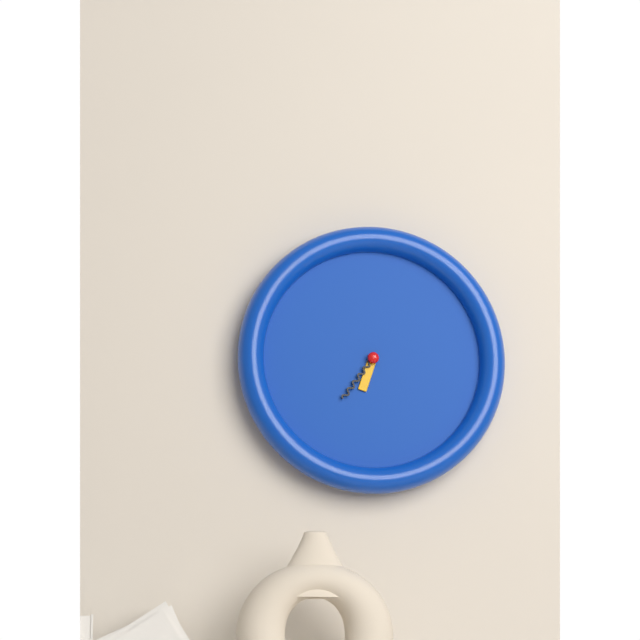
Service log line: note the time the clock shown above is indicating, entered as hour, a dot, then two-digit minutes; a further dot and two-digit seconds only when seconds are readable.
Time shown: 6.36
